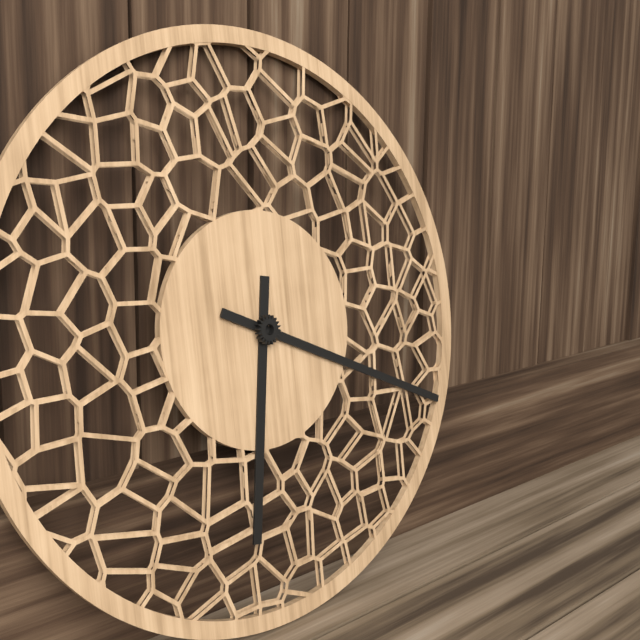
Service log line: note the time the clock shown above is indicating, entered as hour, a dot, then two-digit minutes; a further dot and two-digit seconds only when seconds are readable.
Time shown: 6.19
